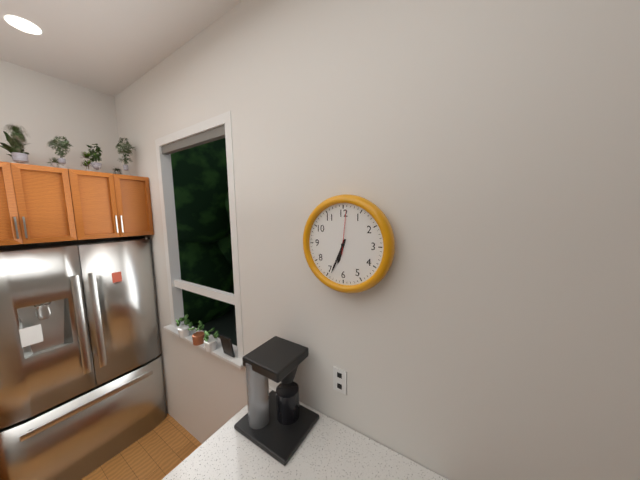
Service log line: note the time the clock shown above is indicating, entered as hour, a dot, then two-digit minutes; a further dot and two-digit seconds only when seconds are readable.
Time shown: 6.34
